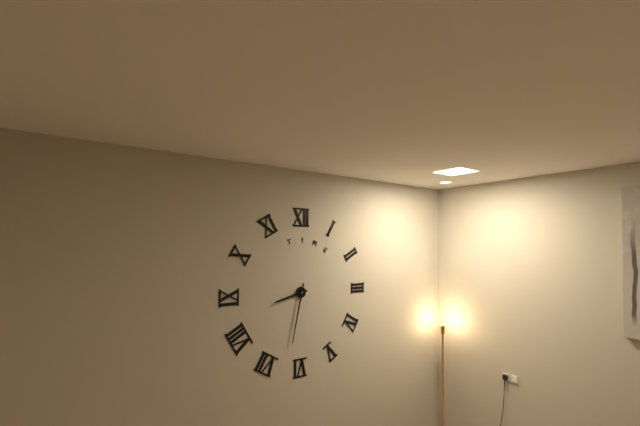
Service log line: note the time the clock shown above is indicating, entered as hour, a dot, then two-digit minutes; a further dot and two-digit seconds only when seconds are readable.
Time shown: 8.32
